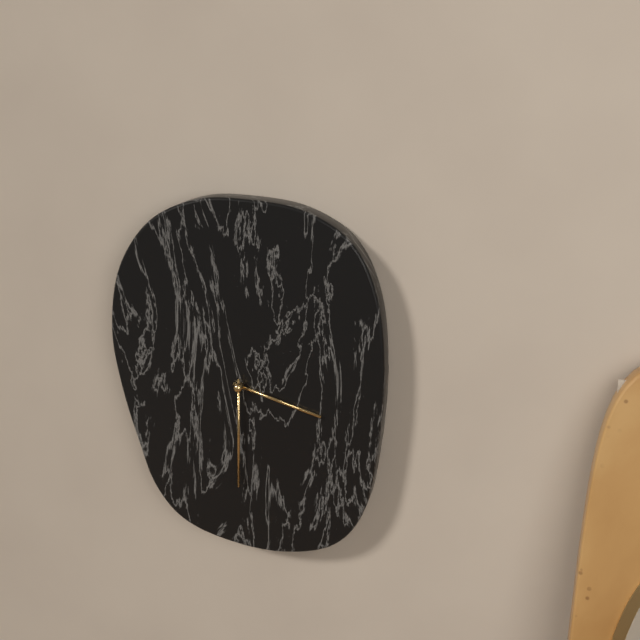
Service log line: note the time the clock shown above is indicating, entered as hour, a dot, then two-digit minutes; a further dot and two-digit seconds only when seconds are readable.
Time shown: 3.30
